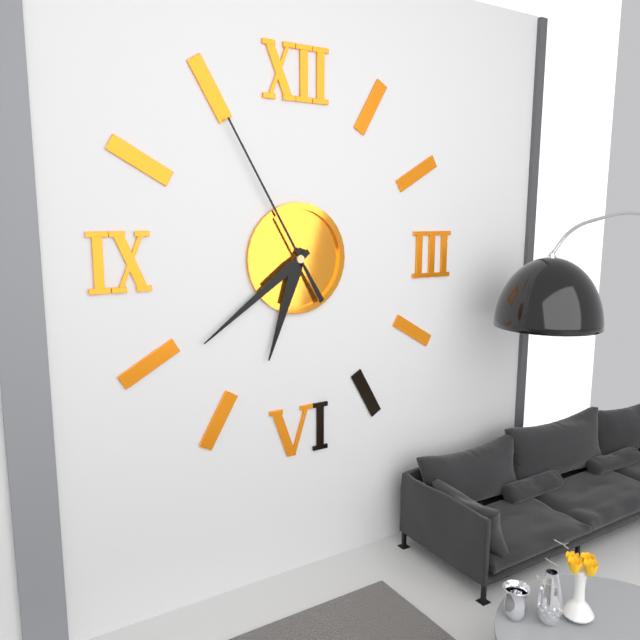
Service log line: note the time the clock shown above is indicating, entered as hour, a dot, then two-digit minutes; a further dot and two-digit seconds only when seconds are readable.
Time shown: 6.39.55
